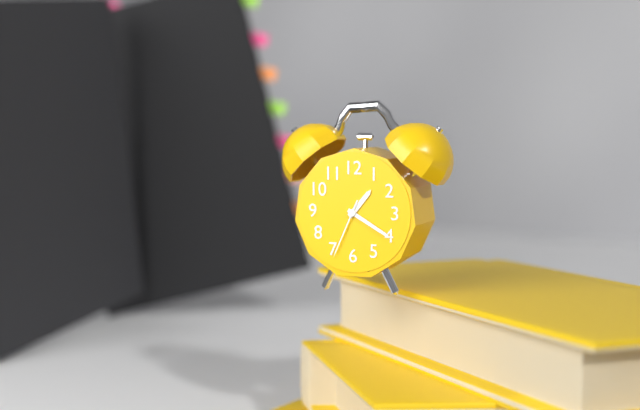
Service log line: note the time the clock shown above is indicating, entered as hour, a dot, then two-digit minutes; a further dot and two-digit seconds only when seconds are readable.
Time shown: 1.20.34
